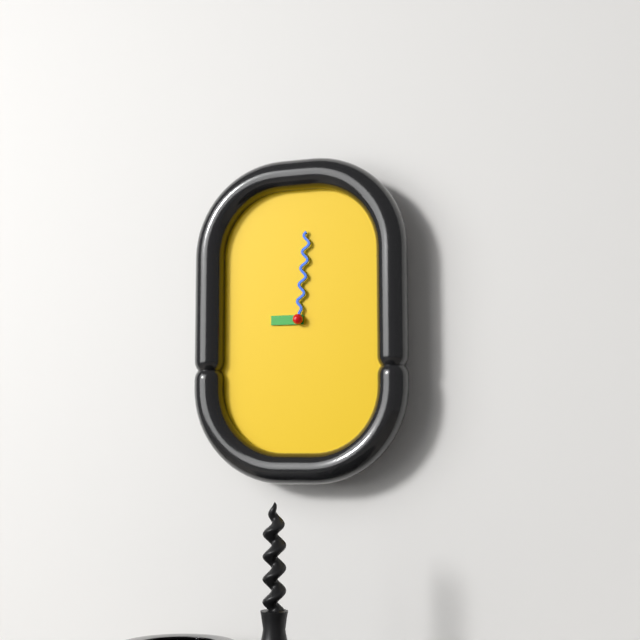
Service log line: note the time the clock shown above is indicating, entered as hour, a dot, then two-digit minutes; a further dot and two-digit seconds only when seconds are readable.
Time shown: 9.01
